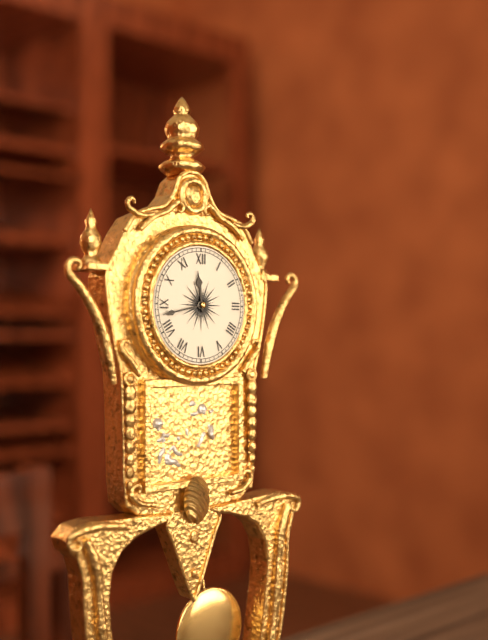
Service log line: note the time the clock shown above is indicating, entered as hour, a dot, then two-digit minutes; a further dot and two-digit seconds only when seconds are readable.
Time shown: 11.43
